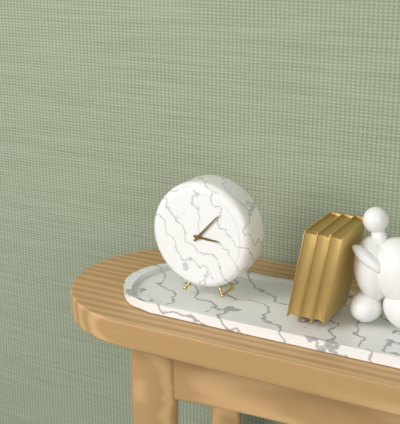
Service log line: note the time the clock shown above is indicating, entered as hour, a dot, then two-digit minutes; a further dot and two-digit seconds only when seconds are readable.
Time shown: 3.07
